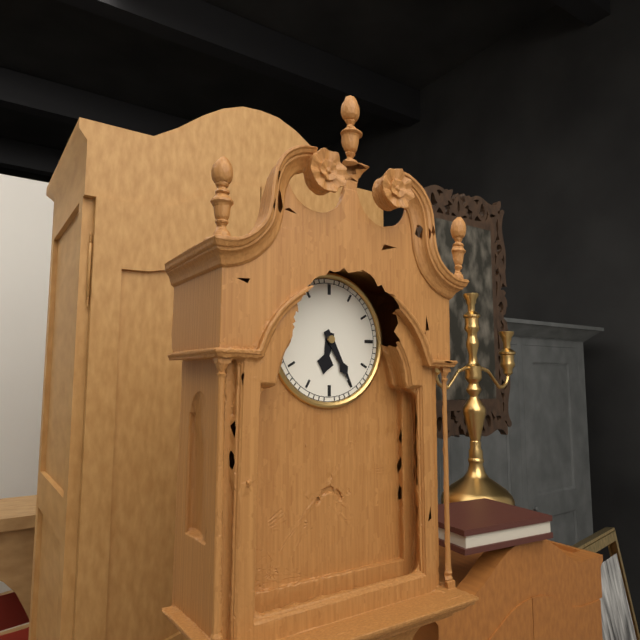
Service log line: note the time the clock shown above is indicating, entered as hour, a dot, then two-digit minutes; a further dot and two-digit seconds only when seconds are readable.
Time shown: 6.25
